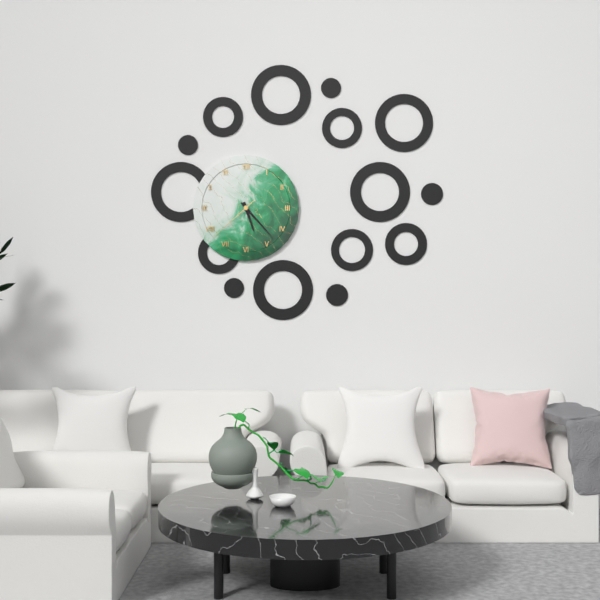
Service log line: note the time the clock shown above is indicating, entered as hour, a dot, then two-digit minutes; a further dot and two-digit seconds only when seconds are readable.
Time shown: 5.23.38
